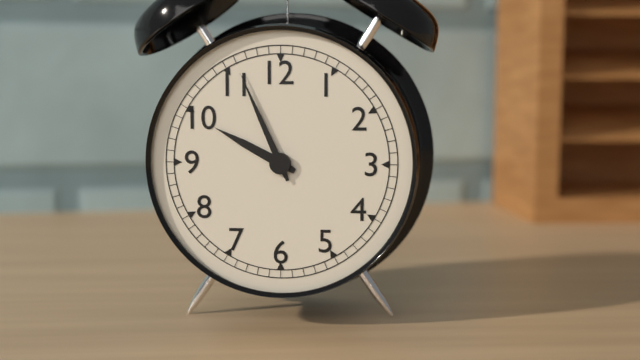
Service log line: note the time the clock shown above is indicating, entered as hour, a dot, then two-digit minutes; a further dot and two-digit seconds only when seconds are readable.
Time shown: 9.56
